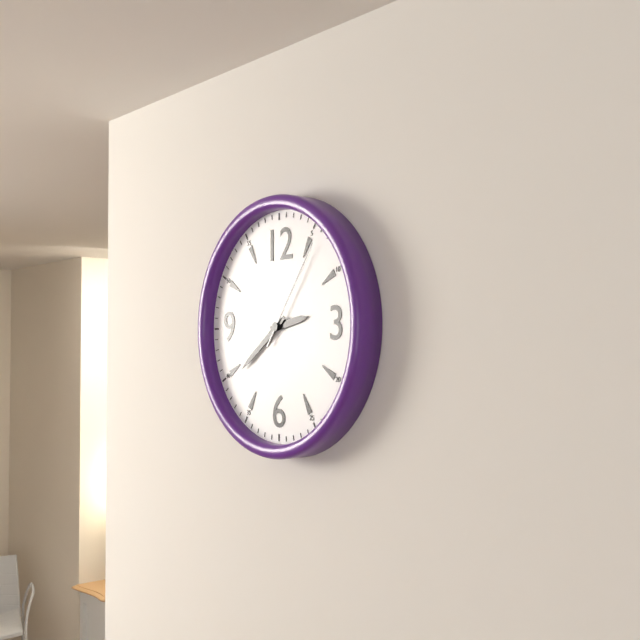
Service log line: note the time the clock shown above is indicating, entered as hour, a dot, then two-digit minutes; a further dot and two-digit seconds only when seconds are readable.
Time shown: 2.39.06
